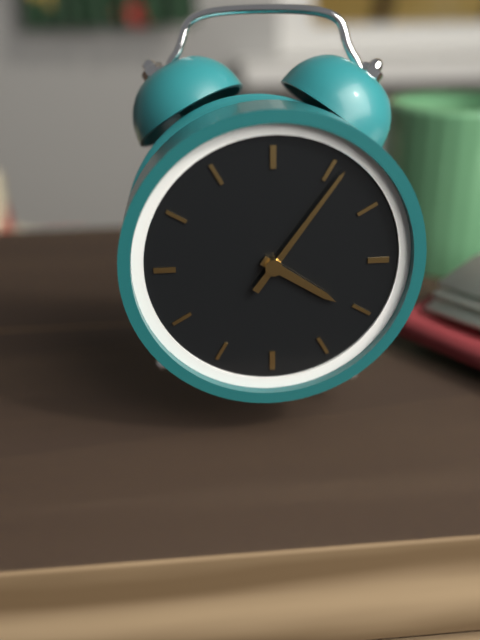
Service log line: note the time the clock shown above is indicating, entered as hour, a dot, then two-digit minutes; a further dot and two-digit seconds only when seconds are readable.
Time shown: 4.06
